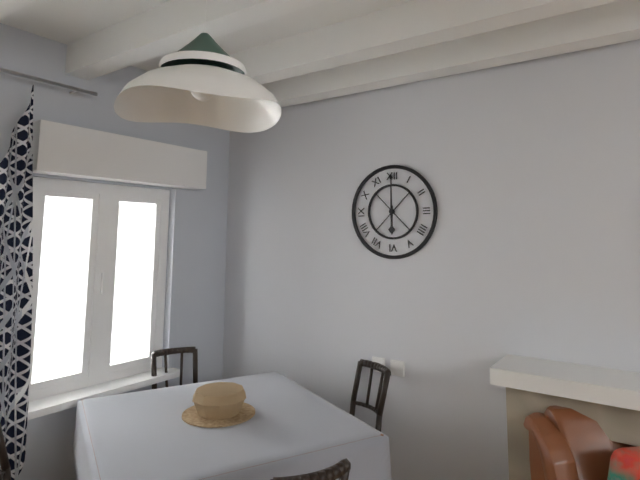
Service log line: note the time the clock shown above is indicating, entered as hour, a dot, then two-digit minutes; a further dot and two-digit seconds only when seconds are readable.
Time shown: 6.00
